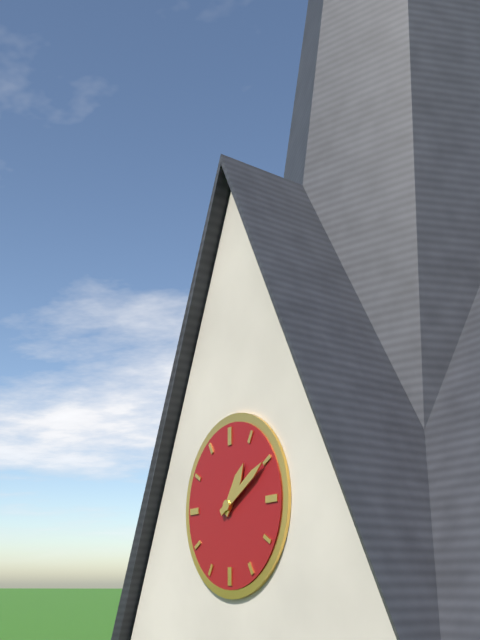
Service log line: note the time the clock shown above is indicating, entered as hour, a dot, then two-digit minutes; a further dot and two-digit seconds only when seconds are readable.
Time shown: 1.10
